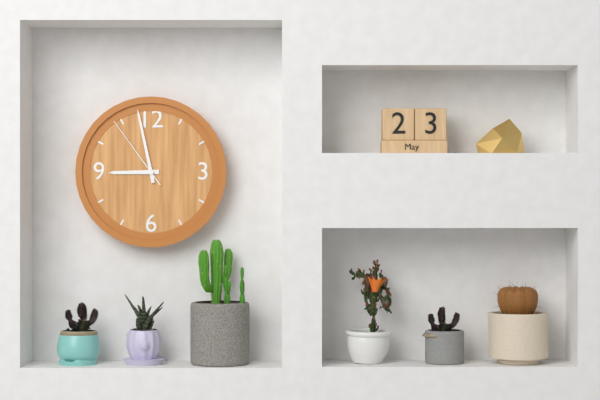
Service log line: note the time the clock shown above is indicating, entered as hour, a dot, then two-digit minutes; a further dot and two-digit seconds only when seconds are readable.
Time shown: 8.58.54
